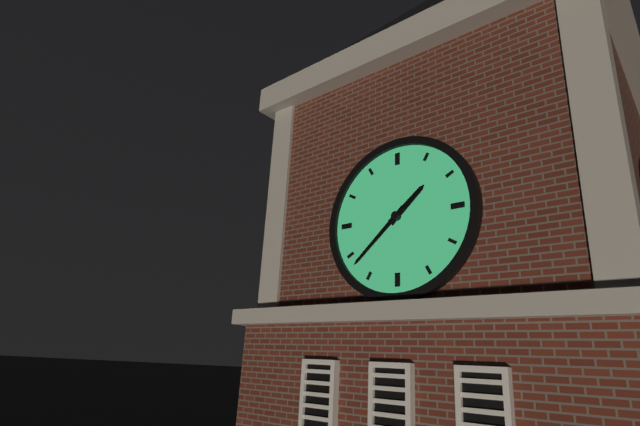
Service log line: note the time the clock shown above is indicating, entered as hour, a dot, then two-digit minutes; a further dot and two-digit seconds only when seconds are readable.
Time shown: 1.38
